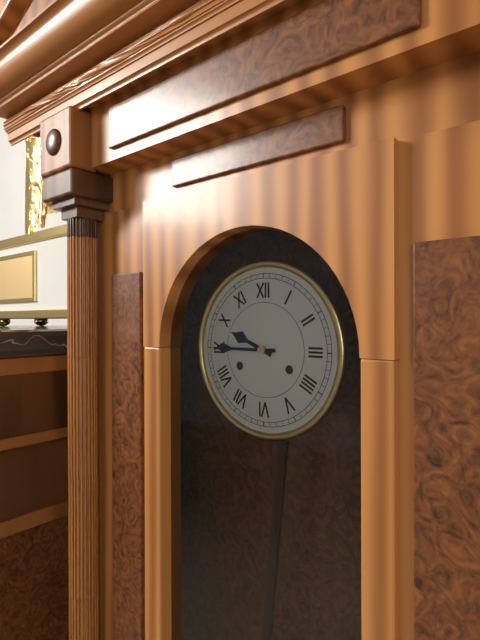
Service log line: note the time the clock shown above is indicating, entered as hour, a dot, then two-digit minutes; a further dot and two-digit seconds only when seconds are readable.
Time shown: 9.45
